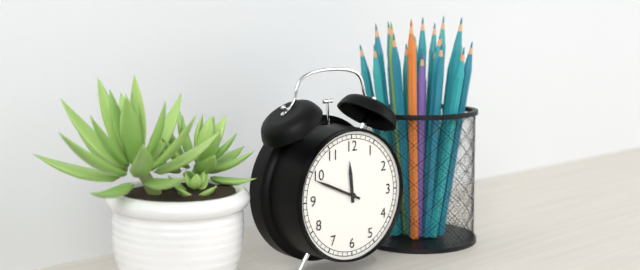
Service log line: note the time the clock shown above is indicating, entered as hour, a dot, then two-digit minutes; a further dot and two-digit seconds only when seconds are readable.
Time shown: 11.49
